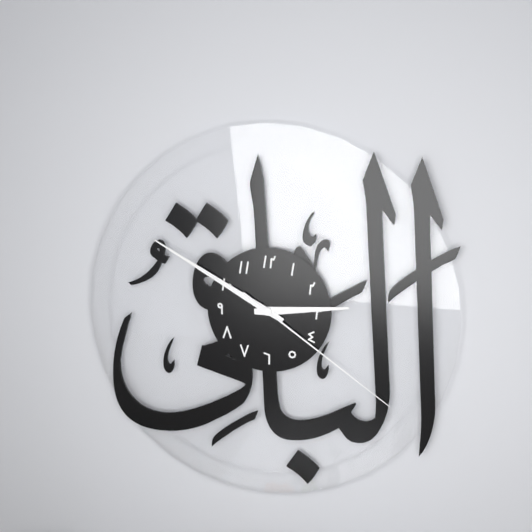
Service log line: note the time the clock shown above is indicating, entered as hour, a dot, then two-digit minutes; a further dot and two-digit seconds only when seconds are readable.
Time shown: 2.50.21
